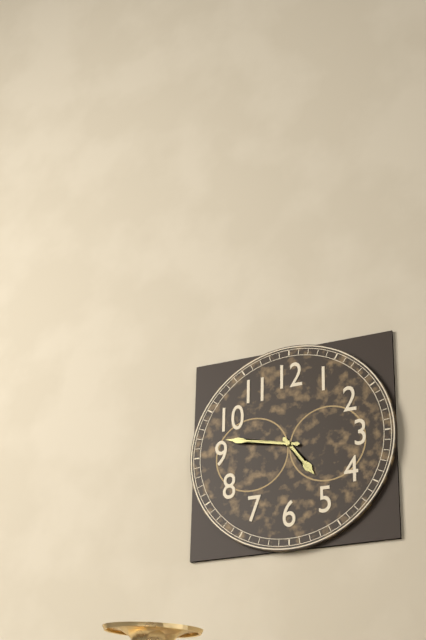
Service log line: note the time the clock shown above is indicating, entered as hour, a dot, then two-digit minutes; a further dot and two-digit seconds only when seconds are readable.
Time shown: 4.47
